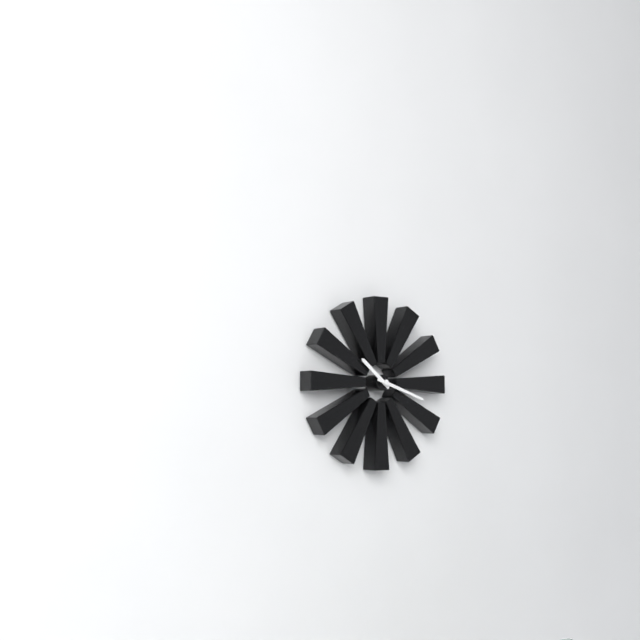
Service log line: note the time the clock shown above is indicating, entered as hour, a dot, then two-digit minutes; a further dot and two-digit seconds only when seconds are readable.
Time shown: 10.18
